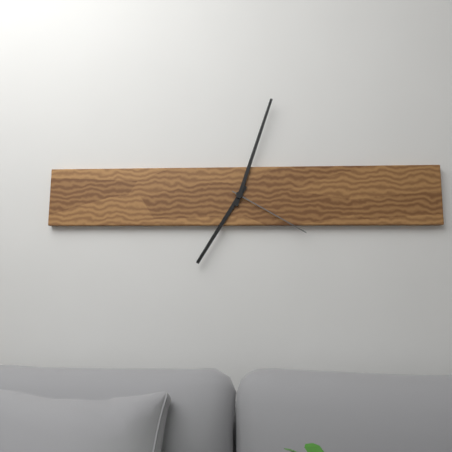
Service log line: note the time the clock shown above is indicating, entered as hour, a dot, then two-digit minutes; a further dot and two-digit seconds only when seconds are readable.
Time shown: 7.03.20
